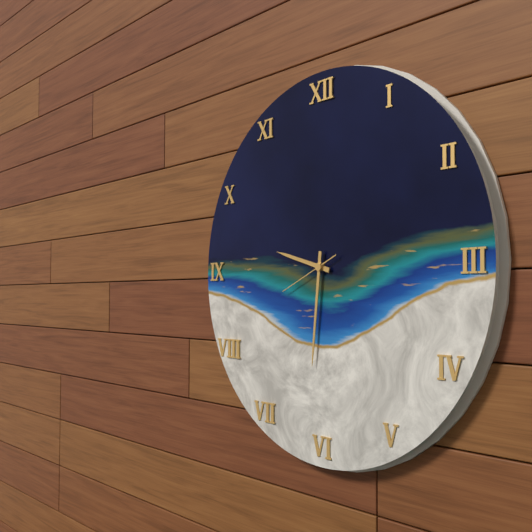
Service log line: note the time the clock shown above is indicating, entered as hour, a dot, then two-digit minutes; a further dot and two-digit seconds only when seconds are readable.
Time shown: 9.31.41
